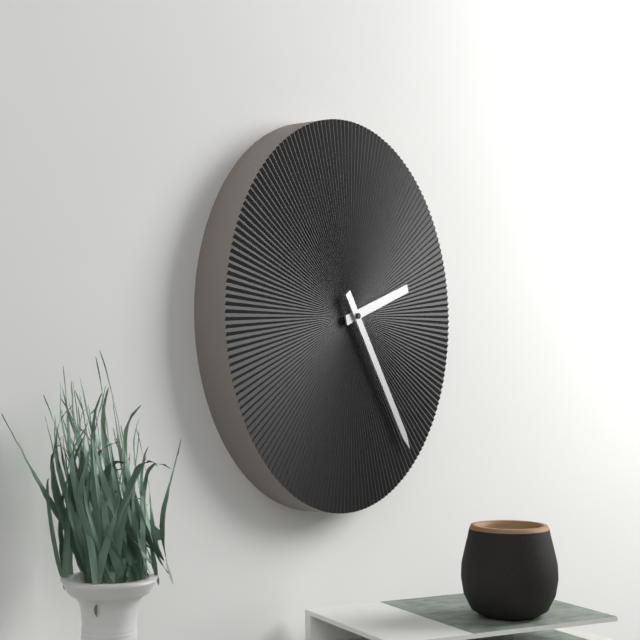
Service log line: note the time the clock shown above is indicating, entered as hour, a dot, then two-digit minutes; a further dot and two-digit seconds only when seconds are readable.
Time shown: 2.24
